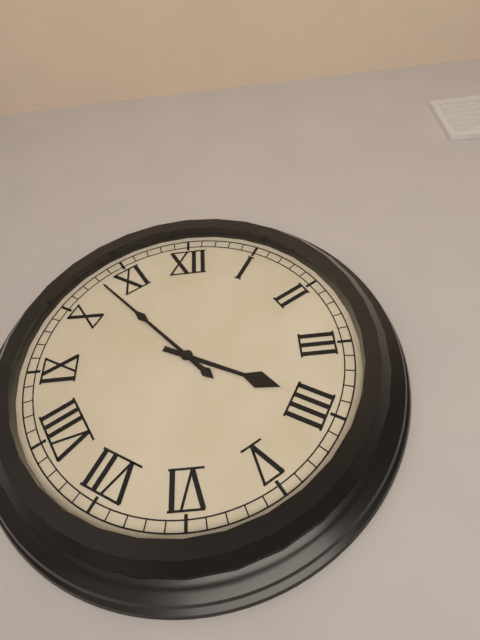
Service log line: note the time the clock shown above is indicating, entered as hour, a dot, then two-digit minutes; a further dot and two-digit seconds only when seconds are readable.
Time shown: 3.53
